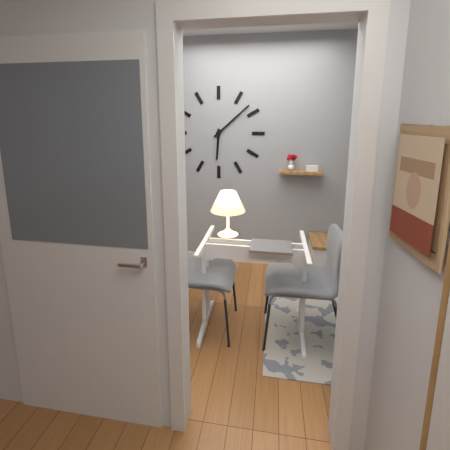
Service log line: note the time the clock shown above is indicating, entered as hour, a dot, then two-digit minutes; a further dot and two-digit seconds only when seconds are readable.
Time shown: 6.08
